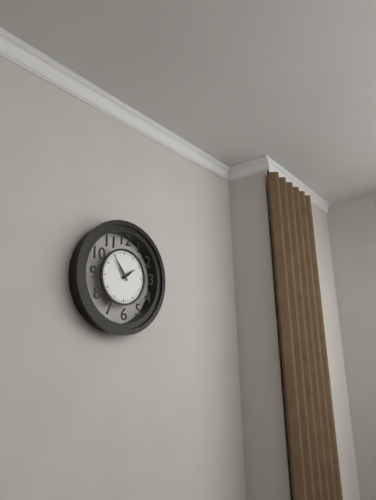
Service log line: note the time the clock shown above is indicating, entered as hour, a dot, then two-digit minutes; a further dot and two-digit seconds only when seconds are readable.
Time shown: 1.54
